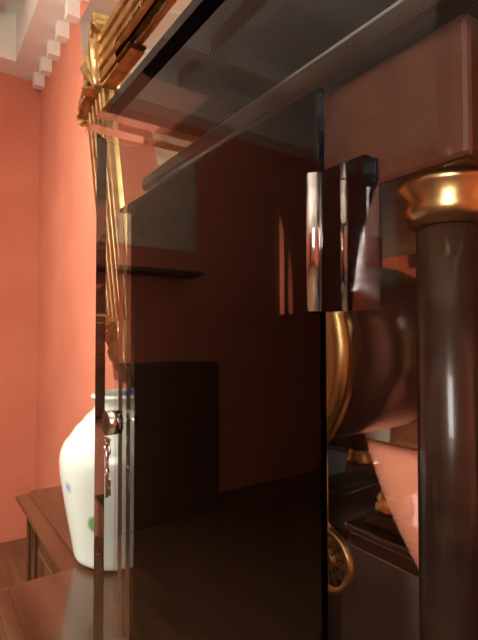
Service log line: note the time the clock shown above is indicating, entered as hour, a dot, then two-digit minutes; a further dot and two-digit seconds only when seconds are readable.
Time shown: 11.18
